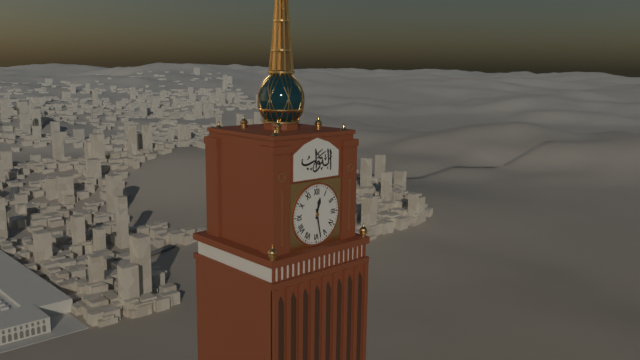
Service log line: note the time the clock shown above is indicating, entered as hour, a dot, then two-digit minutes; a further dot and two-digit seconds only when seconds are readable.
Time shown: 12.28
